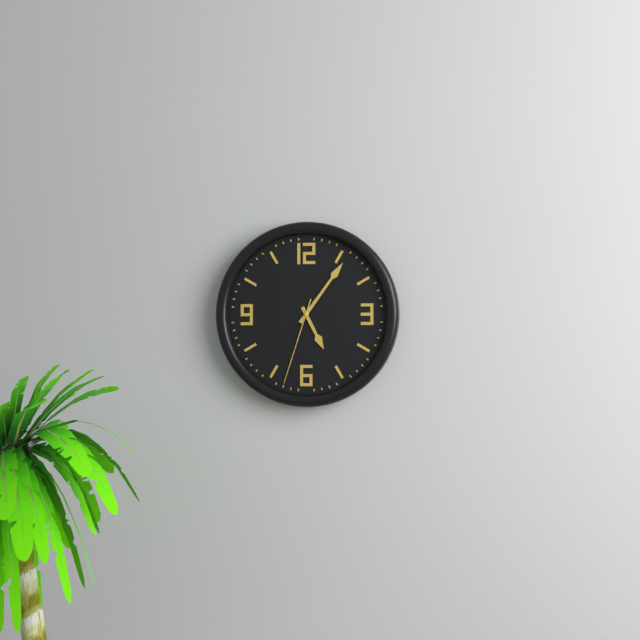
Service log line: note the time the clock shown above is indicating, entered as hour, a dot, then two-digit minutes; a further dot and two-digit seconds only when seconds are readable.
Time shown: 5.06.33
